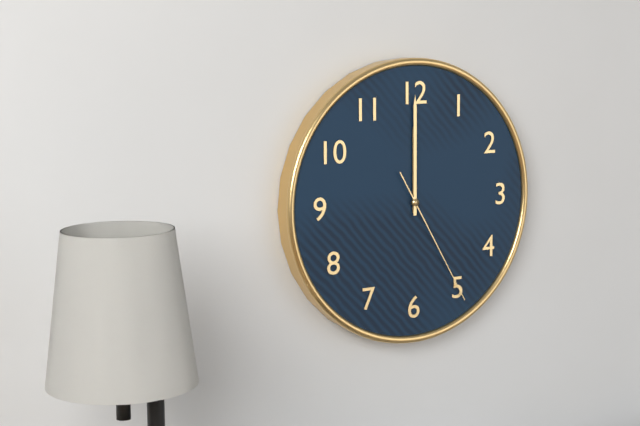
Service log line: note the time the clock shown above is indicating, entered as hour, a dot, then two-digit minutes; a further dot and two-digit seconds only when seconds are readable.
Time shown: 12.00.25
